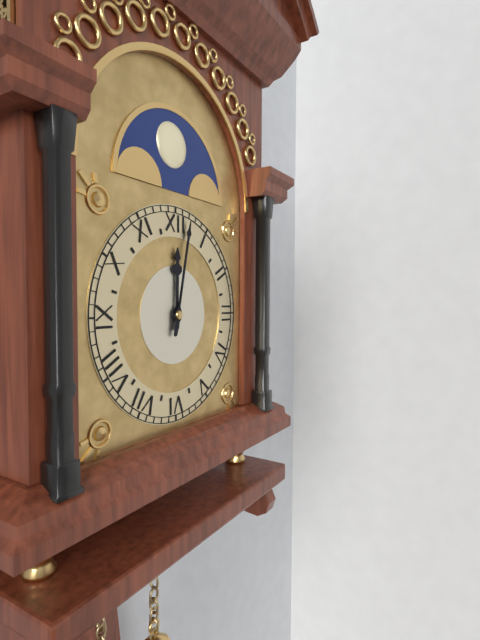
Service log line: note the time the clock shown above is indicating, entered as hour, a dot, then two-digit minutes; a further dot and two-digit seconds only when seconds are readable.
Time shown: 12.02
